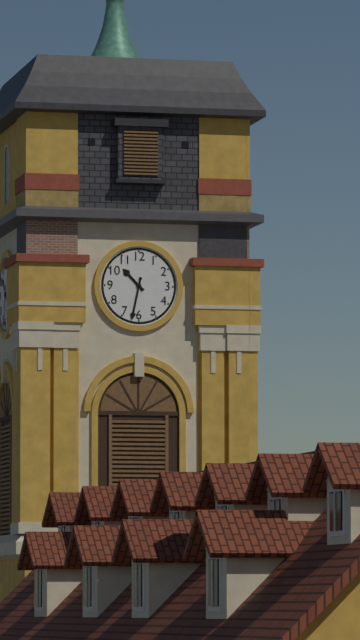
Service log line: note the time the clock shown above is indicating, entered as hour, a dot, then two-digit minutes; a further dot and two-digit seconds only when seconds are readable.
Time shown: 10.32
